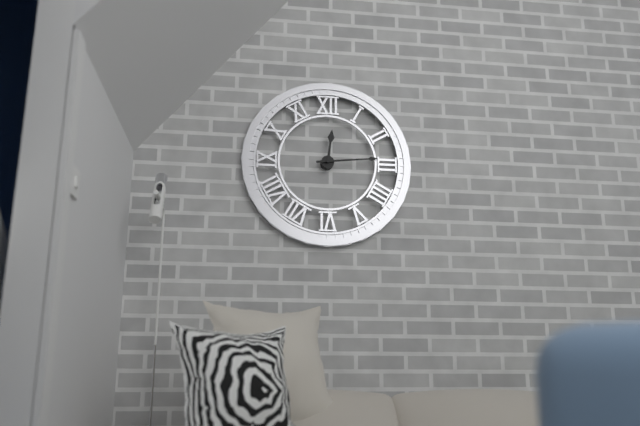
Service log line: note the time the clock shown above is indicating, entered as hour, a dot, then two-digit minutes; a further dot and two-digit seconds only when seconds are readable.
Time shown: 12.14
